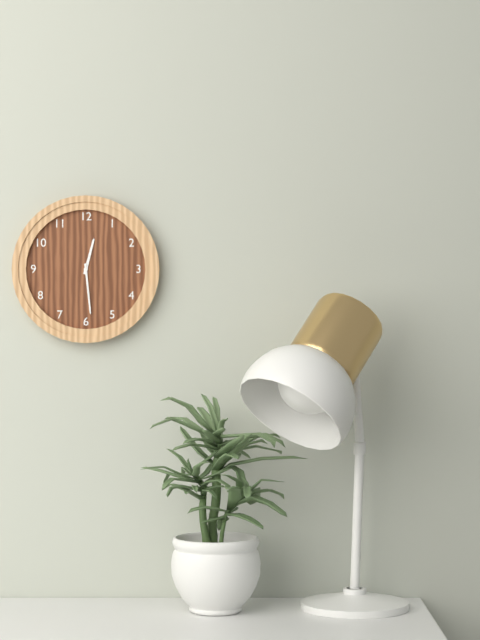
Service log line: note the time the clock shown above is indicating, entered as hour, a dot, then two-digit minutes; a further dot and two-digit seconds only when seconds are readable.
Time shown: 12.29
